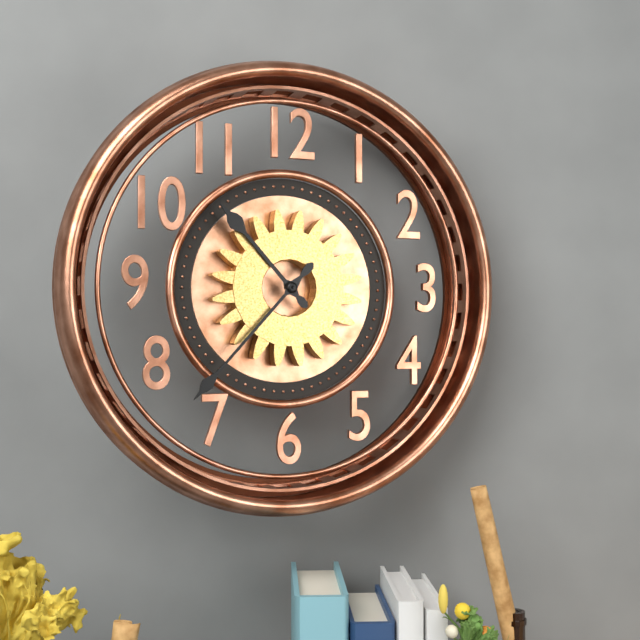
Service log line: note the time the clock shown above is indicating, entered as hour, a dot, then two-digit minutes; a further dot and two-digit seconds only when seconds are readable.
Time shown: 10.37
